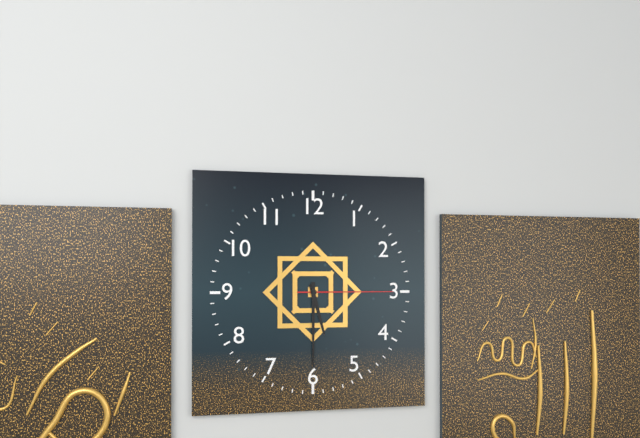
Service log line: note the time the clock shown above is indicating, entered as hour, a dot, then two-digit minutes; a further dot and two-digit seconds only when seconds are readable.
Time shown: 5.30.15
